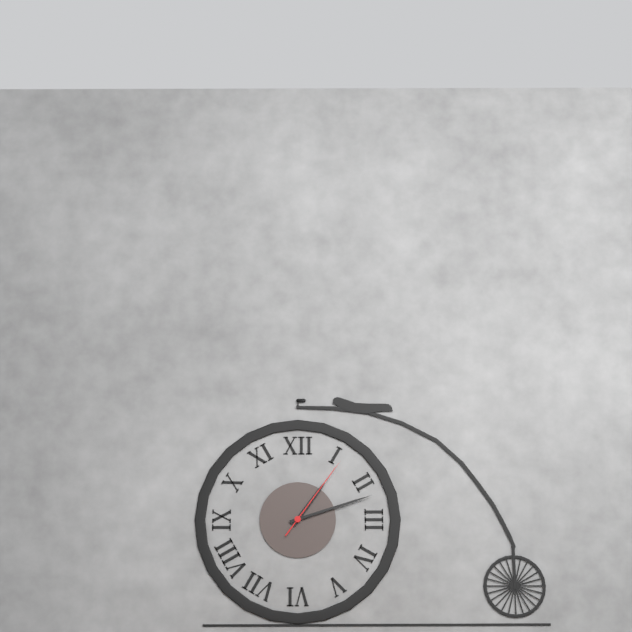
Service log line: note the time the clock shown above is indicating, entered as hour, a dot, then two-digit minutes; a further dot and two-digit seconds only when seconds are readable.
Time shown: 1.12.06
